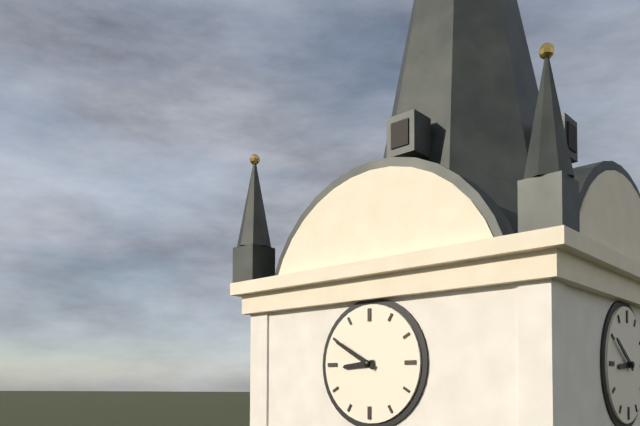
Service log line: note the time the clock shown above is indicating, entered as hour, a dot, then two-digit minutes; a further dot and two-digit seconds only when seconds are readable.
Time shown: 8.50
